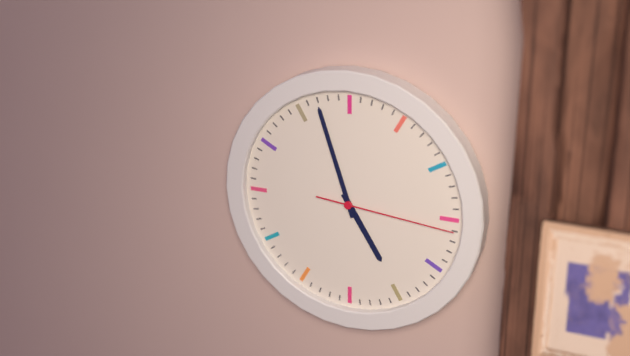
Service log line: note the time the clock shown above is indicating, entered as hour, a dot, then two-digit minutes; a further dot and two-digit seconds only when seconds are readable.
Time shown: 4.57.16
